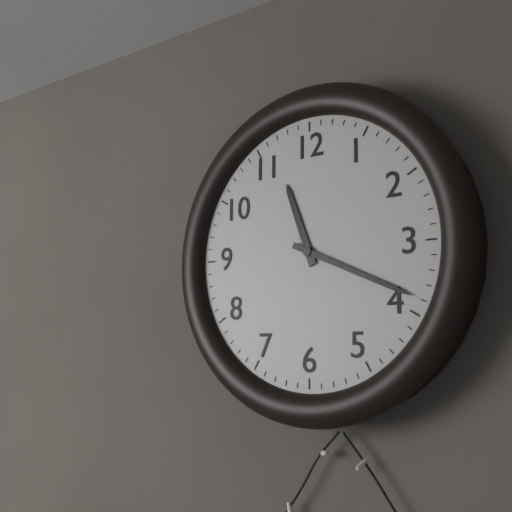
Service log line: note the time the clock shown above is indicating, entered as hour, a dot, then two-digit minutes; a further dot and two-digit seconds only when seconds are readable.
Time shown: 11.19
